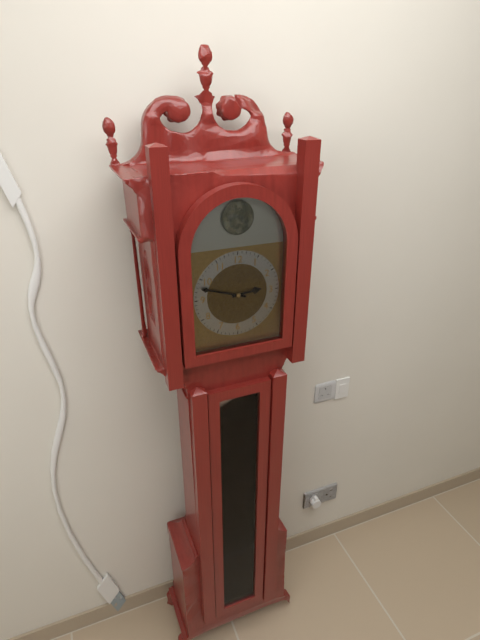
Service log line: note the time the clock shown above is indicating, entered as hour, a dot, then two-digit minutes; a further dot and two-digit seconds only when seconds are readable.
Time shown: 2.48
